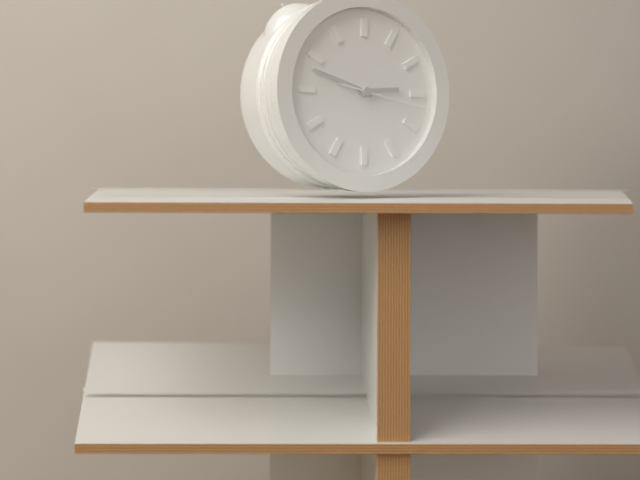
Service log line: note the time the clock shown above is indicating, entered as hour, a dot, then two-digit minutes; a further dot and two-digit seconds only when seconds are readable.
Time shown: 2.48.17
